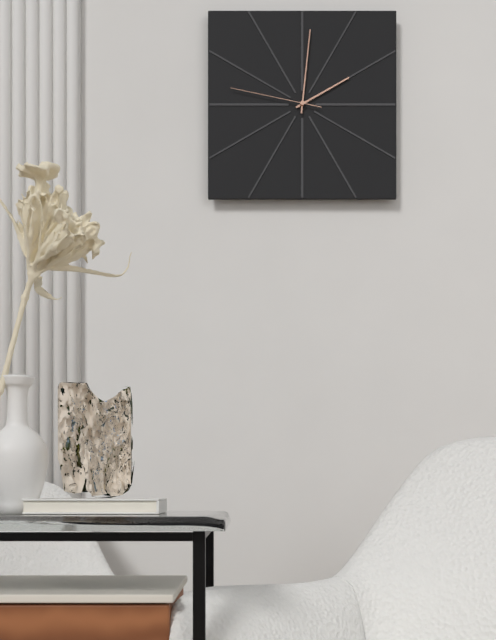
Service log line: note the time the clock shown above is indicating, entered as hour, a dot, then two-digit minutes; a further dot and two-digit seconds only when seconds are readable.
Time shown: 2.01.47
